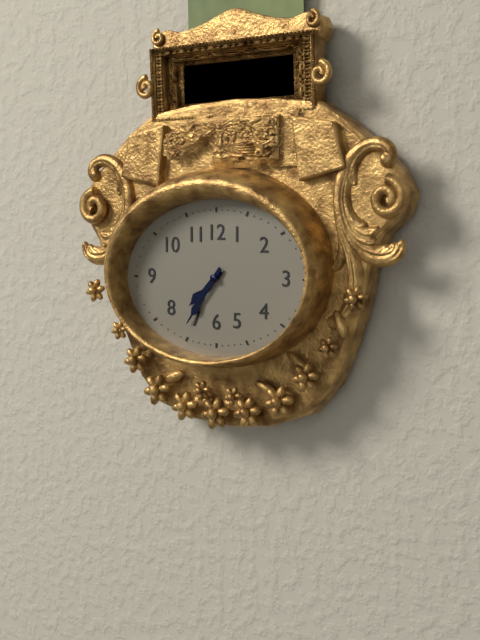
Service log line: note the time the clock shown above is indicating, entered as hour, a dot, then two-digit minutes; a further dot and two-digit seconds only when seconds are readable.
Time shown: 7.36
